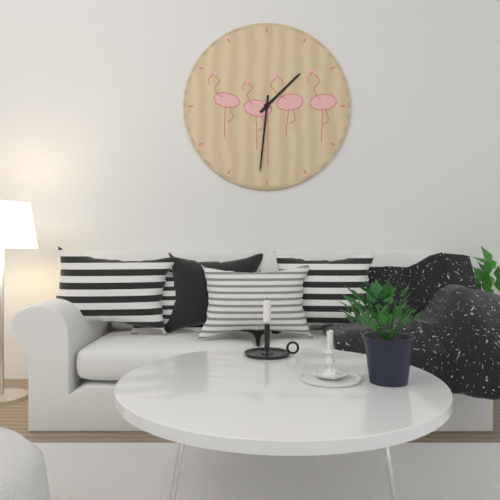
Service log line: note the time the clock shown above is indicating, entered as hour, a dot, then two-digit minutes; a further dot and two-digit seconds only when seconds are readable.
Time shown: 1.31
